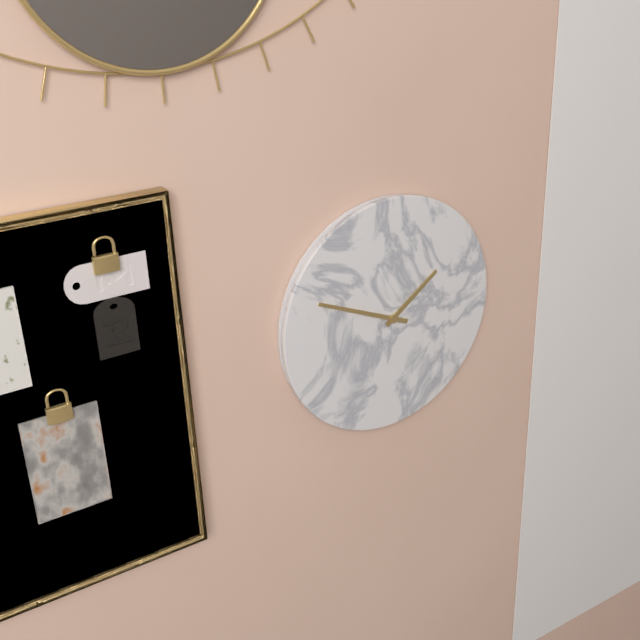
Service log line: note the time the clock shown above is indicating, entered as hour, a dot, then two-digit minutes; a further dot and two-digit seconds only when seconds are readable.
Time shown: 1.49
